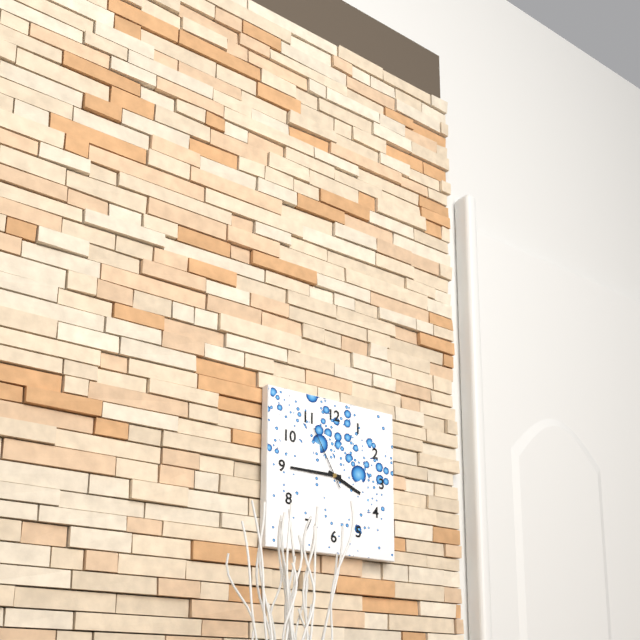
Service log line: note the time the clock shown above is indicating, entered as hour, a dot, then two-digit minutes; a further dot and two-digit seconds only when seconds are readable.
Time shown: 3.45.55
